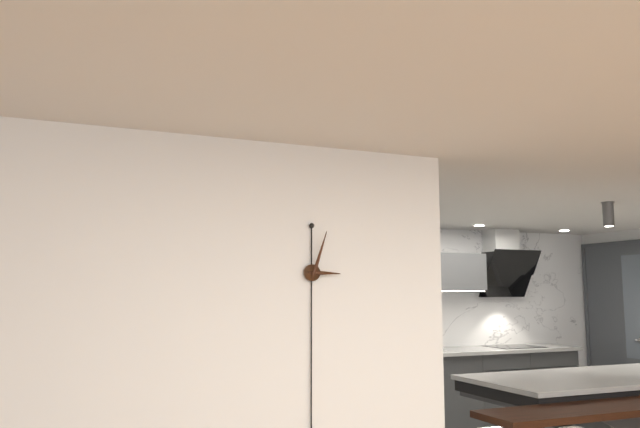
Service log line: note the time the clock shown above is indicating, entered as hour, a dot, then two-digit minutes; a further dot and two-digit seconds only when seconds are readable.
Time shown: 3.03
